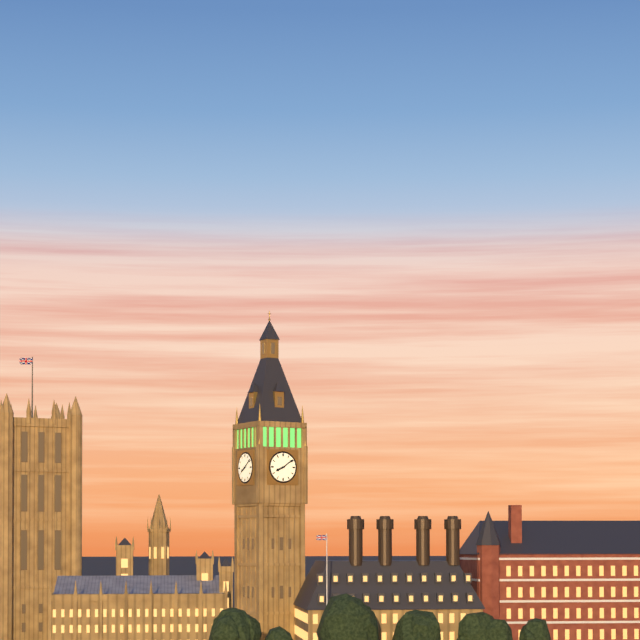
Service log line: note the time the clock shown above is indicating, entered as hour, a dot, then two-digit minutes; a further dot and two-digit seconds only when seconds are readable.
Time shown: 8.09
